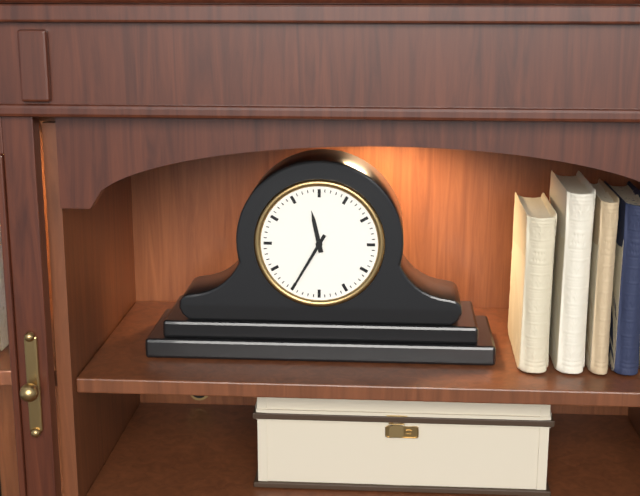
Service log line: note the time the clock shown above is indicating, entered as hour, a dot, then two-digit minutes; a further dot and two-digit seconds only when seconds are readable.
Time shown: 11.35
